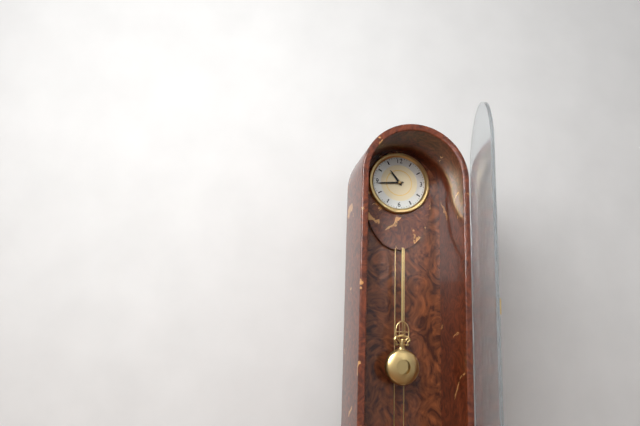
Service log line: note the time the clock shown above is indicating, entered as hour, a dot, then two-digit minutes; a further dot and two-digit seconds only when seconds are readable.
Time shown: 10.44
